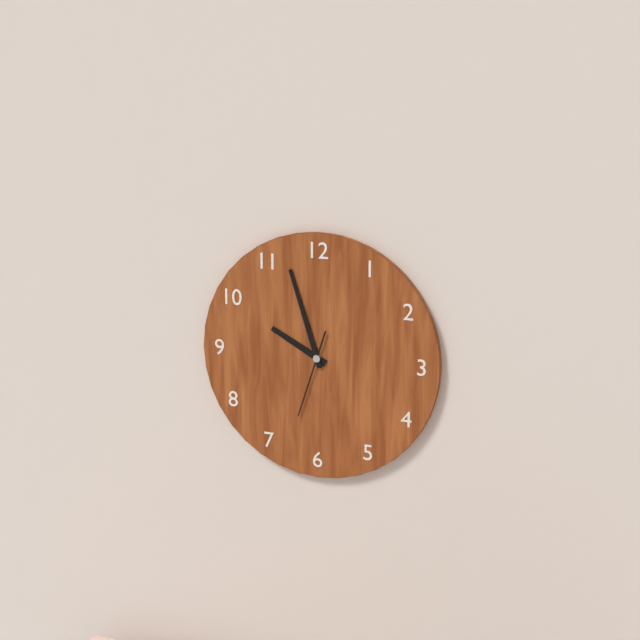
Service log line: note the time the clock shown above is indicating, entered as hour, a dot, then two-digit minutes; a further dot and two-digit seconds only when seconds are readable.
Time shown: 9.57.33
